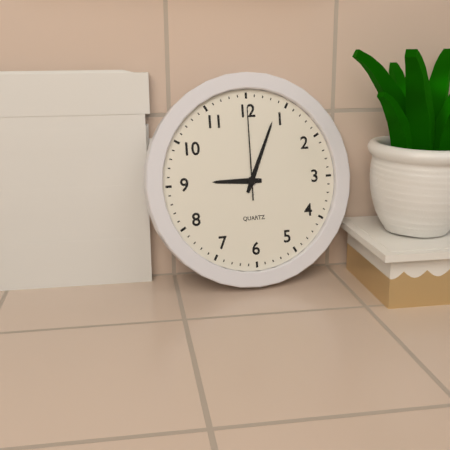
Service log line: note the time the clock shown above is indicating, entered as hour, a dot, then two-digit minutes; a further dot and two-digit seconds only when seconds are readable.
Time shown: 9.04.00
